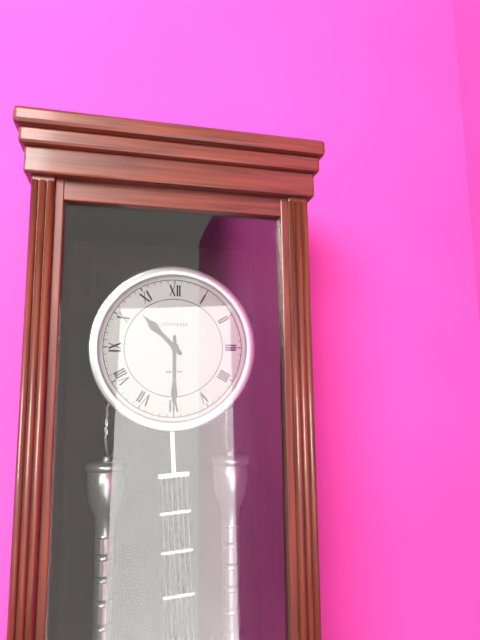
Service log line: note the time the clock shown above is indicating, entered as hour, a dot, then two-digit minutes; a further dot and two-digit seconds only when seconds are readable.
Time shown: 10.30
